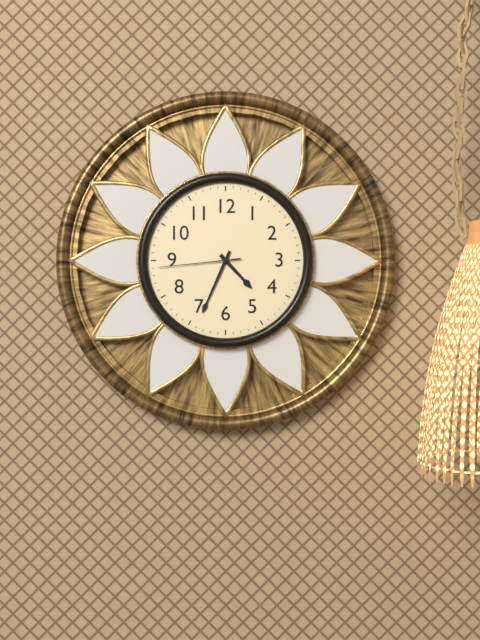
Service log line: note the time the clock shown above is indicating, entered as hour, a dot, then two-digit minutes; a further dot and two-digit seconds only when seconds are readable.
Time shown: 4.34.44
